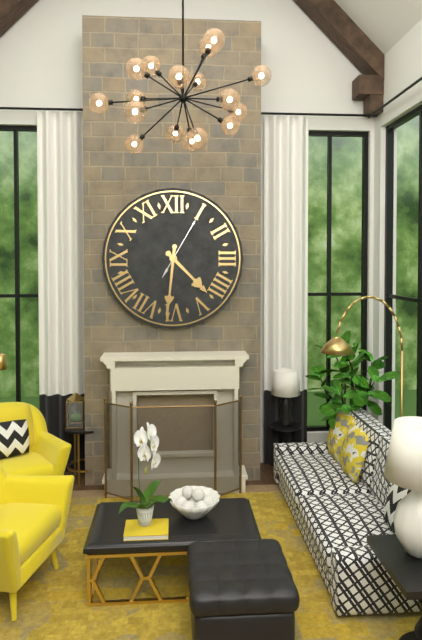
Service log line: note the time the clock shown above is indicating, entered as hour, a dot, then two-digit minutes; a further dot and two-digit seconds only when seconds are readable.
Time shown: 4.31.05
